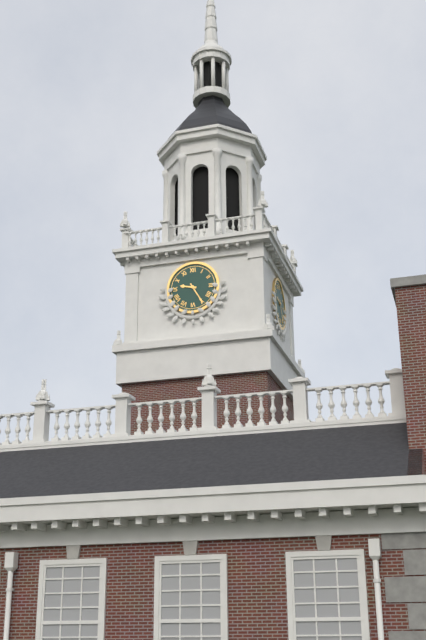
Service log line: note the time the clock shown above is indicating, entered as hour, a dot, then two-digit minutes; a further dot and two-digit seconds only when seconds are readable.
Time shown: 9.25
